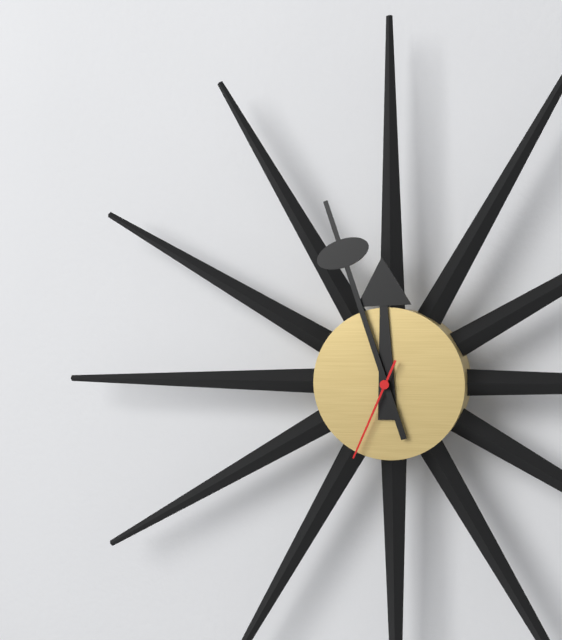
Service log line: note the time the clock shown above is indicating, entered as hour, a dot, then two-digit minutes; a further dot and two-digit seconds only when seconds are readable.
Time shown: 11.57.34
